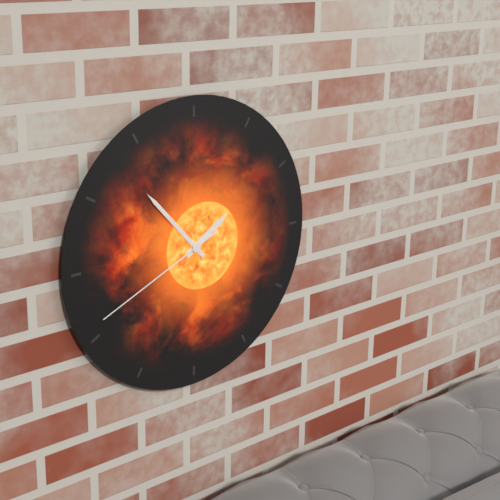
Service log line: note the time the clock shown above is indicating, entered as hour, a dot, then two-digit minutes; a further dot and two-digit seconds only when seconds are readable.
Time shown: 1.53.41
